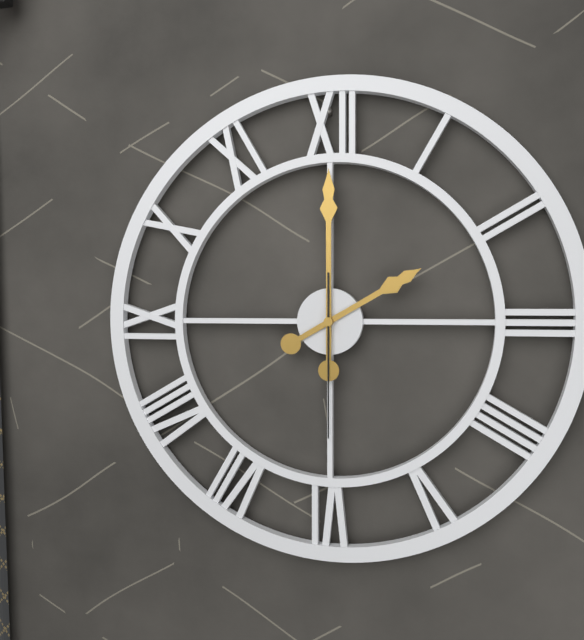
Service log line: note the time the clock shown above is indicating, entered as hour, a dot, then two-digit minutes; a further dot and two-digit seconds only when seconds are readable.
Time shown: 2.00.30
